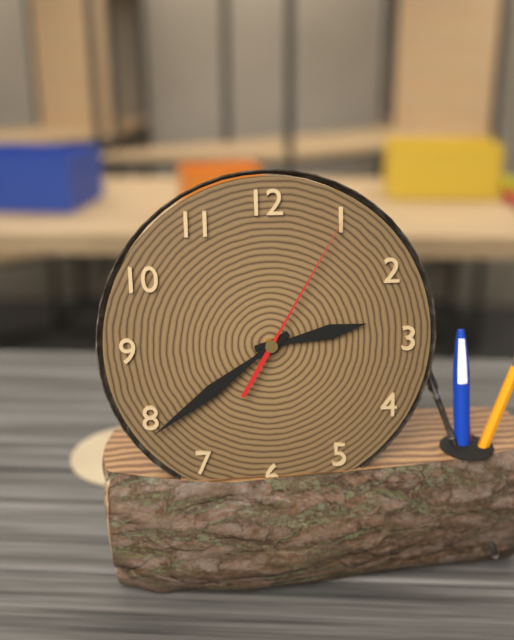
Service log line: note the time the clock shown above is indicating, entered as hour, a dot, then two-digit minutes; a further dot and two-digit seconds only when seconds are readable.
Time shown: 2.39.05
